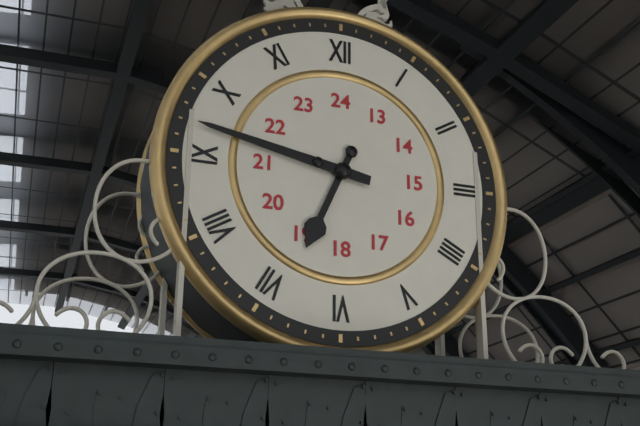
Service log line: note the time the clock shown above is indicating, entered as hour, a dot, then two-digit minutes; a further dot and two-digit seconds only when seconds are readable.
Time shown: 6.47
